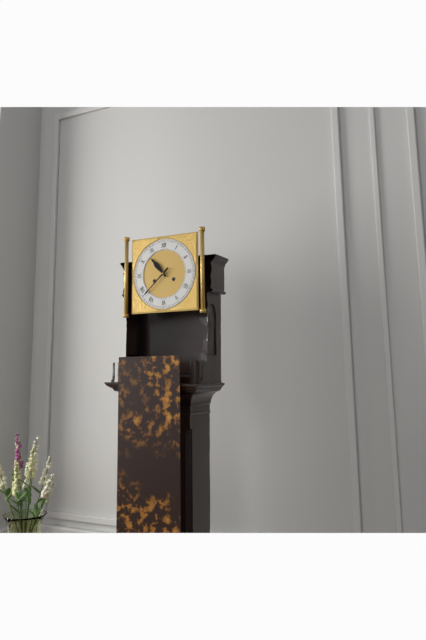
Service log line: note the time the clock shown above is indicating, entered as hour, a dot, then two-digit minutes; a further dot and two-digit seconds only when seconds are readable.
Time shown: 10.38
